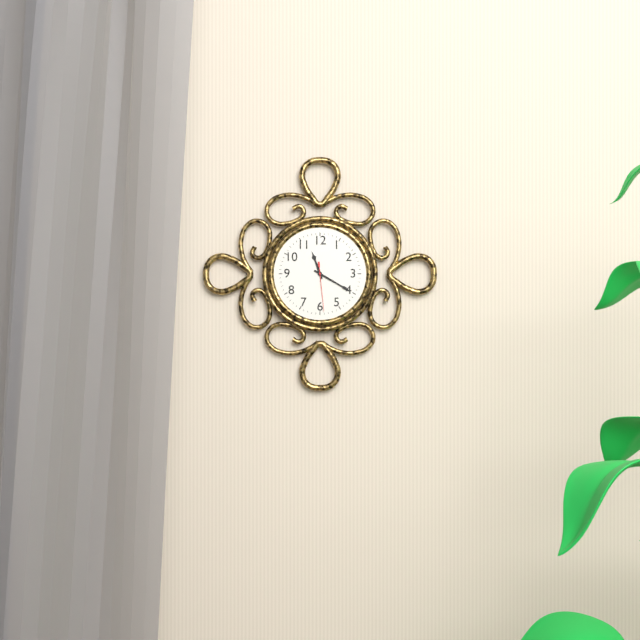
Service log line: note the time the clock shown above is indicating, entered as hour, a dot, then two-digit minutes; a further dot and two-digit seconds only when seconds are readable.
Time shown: 11.20
